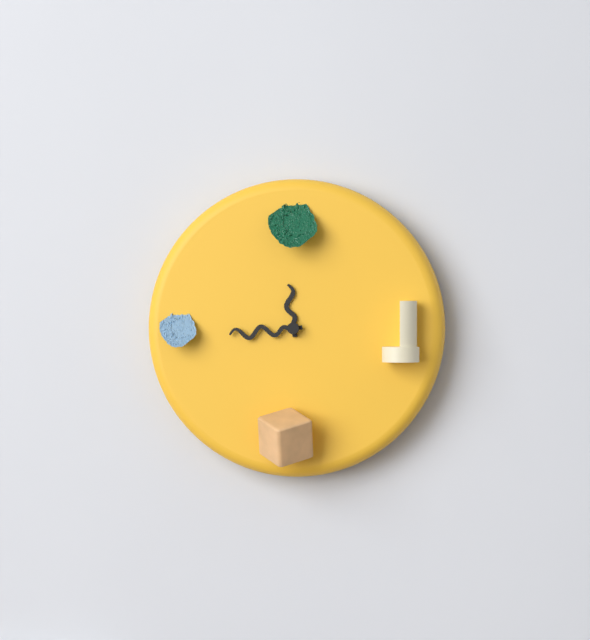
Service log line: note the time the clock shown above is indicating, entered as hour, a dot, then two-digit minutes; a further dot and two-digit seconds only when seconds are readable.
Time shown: 11.44
